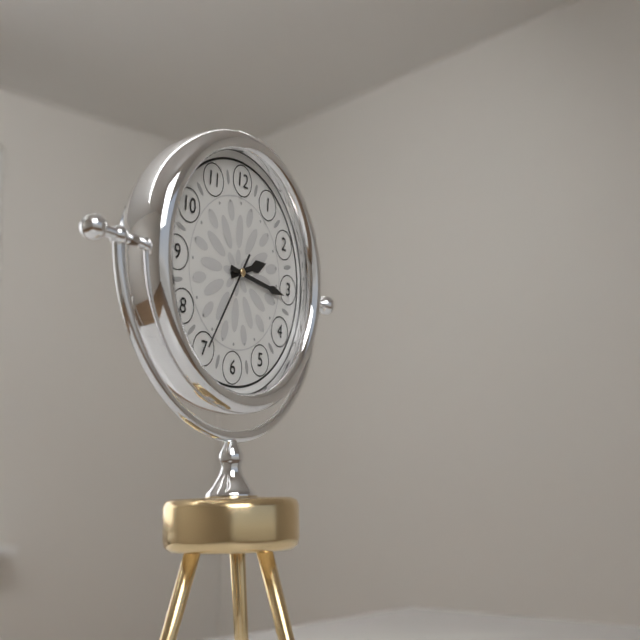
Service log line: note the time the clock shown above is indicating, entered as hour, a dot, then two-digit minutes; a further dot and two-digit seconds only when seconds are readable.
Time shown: 2.16.35
